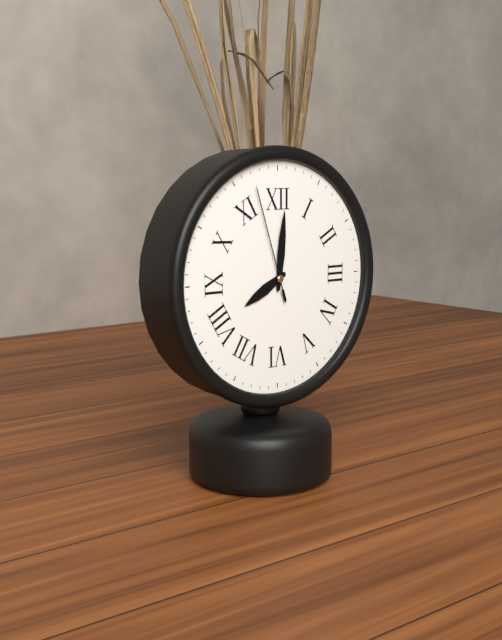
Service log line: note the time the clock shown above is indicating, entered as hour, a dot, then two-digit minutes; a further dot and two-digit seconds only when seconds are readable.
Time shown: 8.01.57
